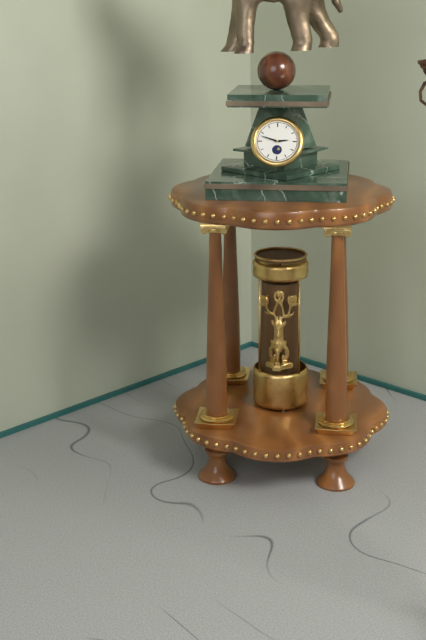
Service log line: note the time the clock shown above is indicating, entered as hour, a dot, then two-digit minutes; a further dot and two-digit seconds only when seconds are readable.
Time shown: 2.48
